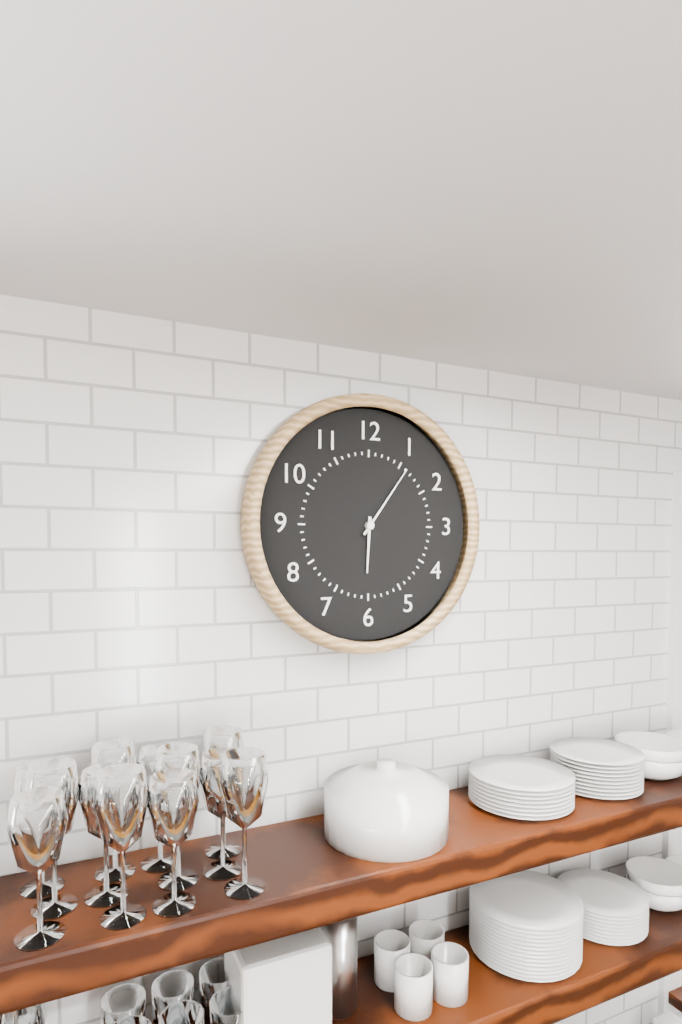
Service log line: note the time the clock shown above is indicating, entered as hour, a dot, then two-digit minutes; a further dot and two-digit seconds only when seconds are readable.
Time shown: 6.06
